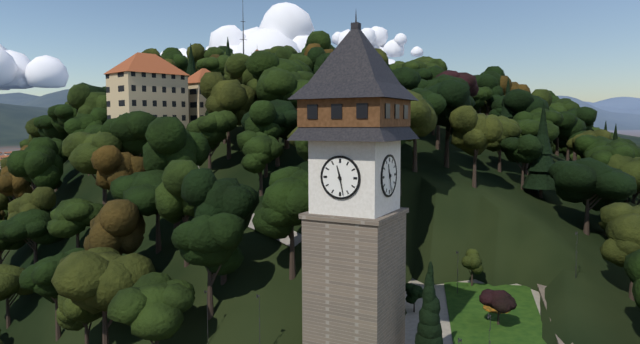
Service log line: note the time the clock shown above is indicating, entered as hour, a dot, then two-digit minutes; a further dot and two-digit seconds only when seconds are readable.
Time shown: 11.28
